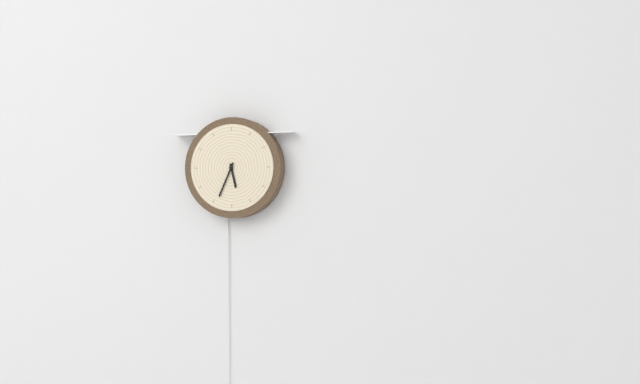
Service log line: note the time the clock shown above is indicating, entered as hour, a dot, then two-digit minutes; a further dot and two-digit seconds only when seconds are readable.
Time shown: 5.34
